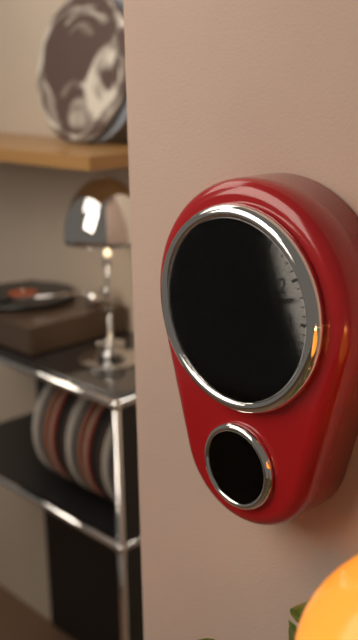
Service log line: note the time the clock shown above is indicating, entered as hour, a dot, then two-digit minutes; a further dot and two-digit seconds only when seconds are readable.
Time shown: 1.12.39
